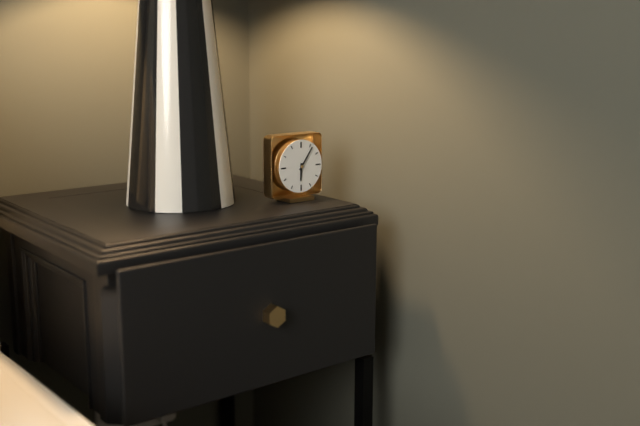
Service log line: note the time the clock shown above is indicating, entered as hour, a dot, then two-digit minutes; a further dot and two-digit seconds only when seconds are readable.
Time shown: 6.06
